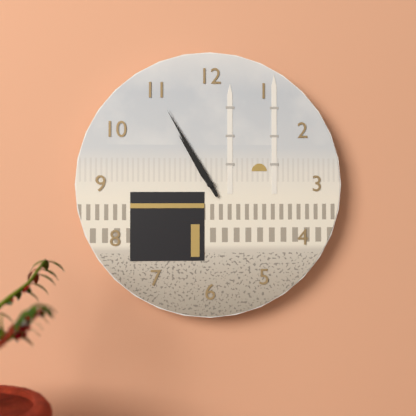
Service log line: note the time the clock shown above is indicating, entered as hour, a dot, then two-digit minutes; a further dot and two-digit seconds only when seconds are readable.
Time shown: 10.55
